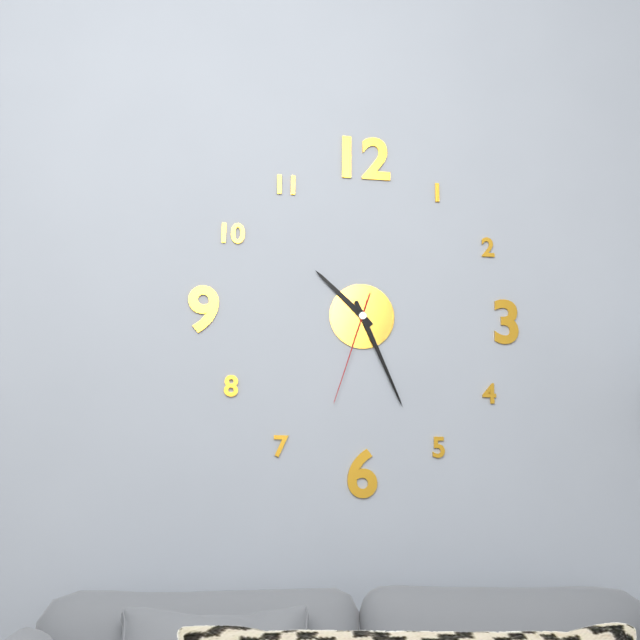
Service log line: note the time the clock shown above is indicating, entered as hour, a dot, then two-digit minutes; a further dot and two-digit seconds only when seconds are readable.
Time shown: 10.26.33
